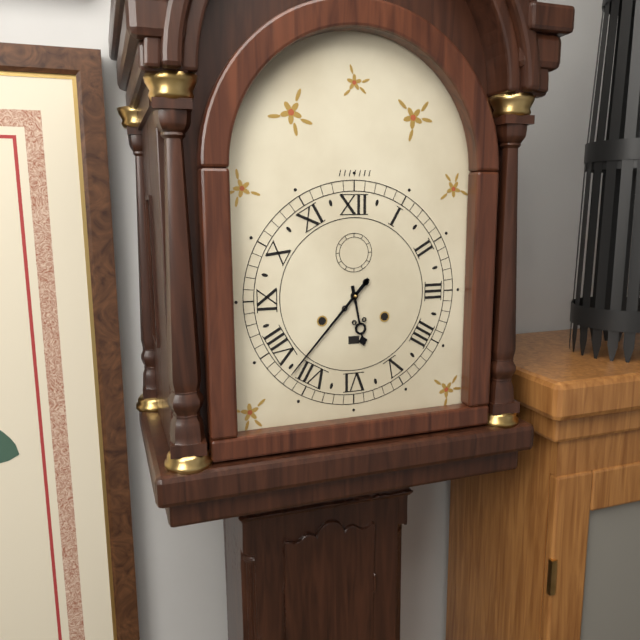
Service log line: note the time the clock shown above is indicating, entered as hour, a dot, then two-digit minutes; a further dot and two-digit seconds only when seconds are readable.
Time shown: 5.37
